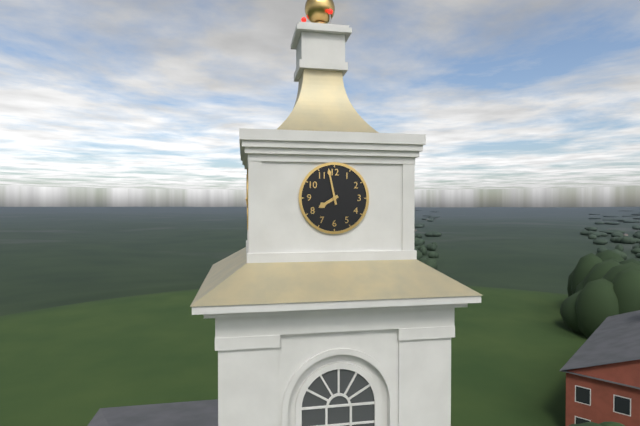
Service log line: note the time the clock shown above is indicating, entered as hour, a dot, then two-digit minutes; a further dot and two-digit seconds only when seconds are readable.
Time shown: 7.58
